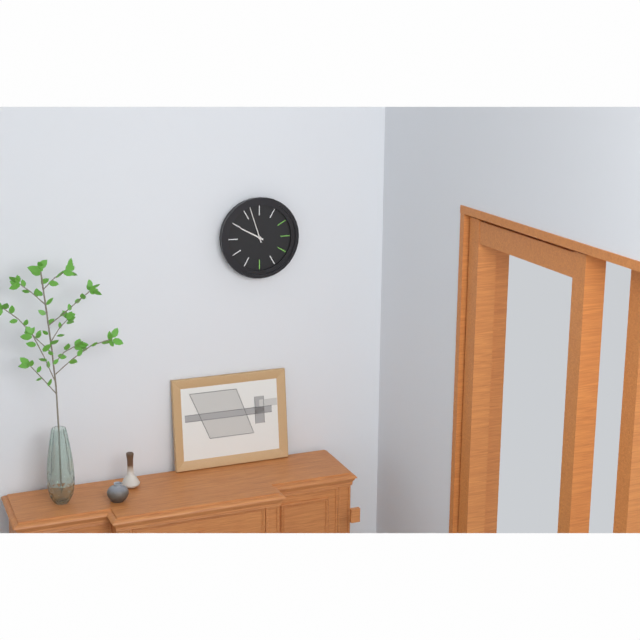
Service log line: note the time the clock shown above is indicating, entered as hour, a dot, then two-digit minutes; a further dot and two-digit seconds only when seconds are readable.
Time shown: 9.57
